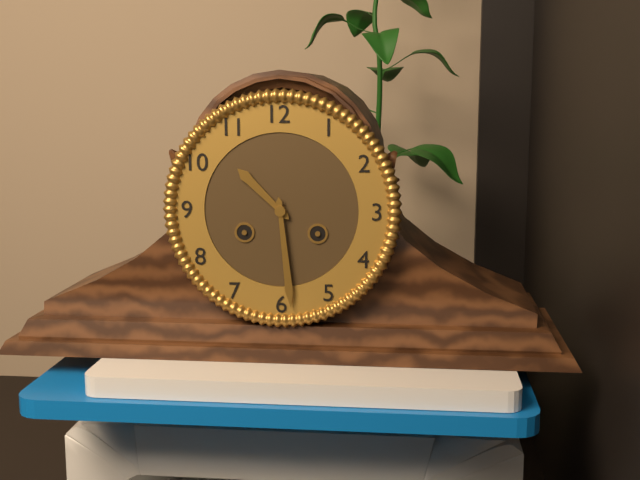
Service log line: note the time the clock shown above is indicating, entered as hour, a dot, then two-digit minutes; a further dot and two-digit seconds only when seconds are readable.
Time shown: 10.29
